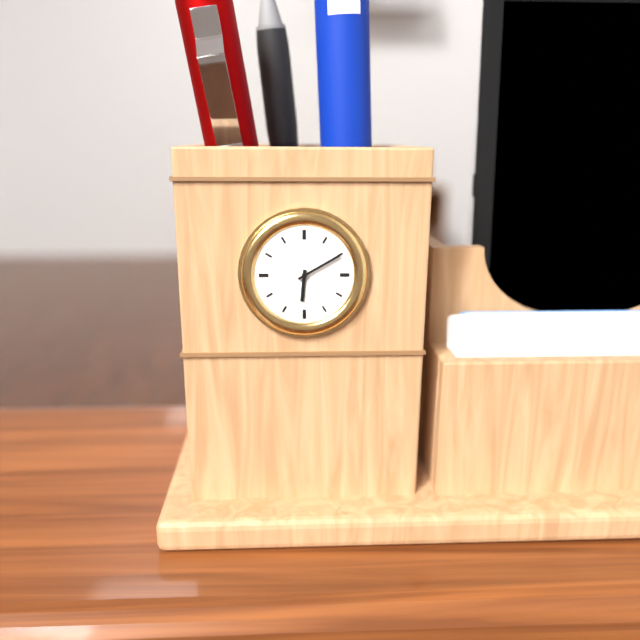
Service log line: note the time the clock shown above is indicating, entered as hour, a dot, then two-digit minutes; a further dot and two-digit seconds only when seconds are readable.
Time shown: 6.10
